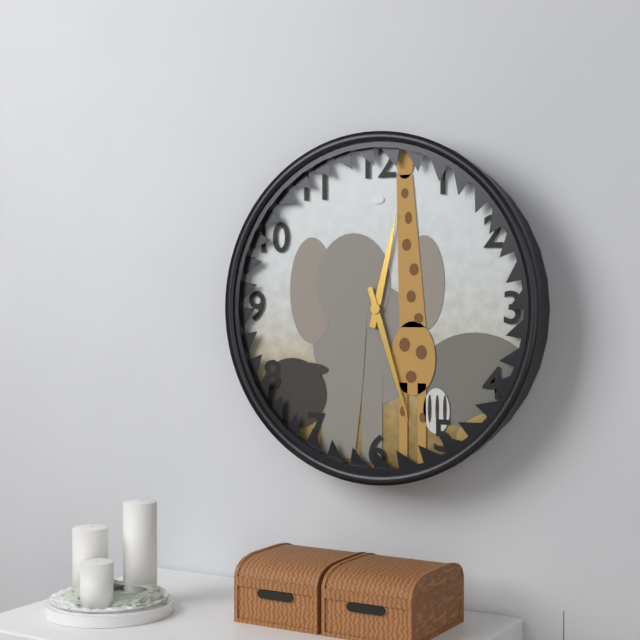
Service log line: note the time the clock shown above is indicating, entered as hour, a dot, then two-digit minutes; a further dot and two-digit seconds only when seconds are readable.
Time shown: 12.27
